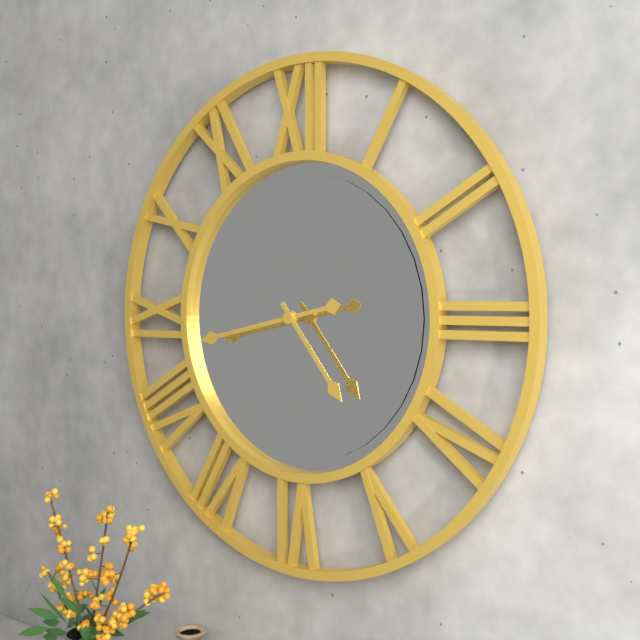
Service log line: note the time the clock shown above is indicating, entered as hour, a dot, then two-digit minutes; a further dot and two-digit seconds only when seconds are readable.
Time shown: 4.43
